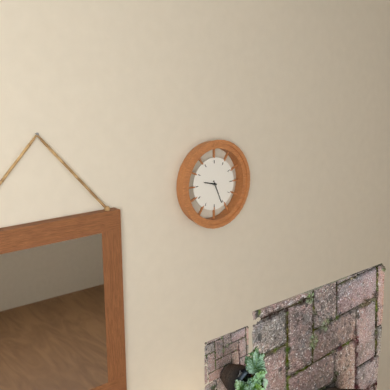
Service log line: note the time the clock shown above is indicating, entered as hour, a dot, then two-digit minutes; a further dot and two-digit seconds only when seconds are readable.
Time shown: 9.26
